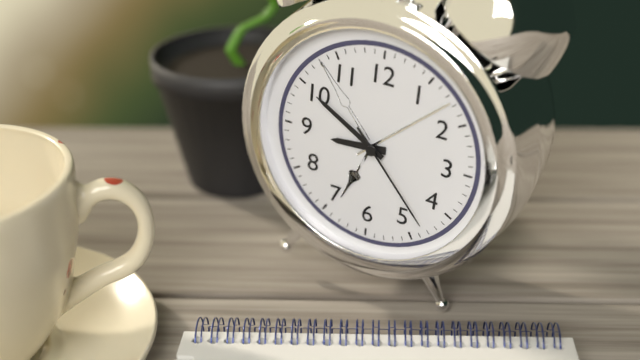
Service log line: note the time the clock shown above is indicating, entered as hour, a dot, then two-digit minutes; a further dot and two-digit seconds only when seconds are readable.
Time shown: 8.50.23
